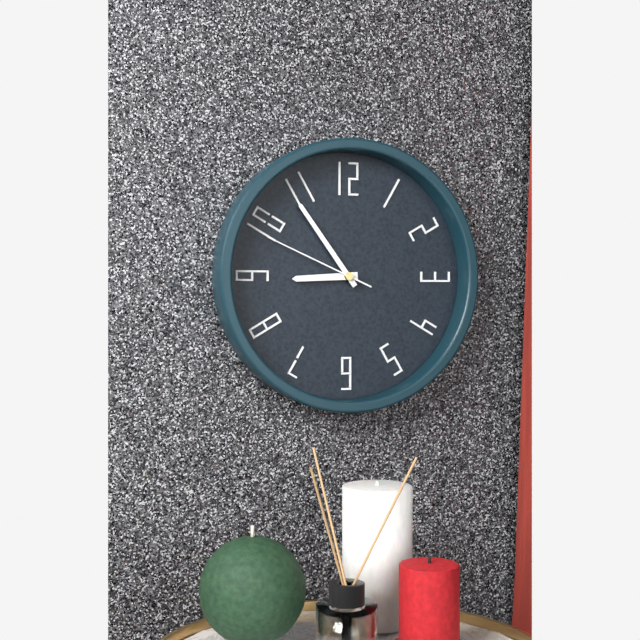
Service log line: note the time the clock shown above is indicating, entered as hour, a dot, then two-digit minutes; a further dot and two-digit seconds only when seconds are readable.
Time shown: 8.54.49
